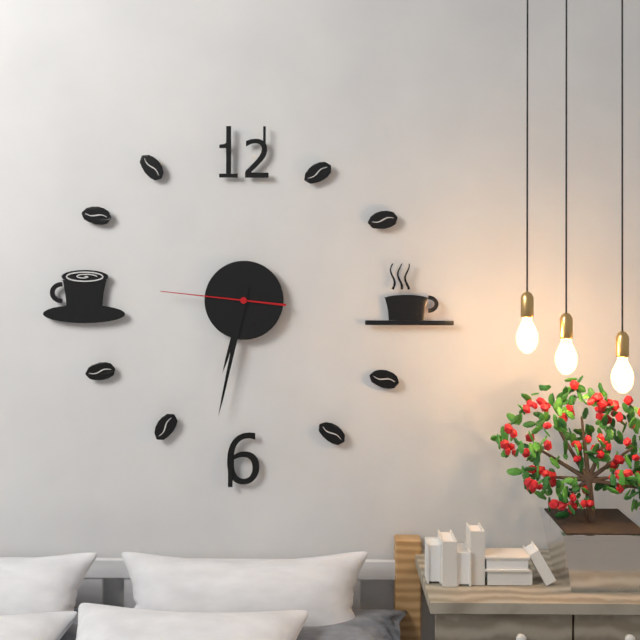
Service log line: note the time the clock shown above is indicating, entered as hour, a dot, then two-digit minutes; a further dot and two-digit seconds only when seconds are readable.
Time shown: 6.32.46
